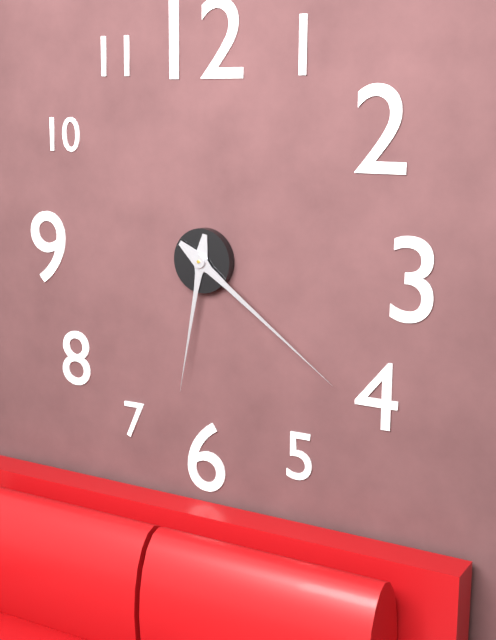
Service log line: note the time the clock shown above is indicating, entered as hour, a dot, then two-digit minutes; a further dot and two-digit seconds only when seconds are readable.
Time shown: 6.21
